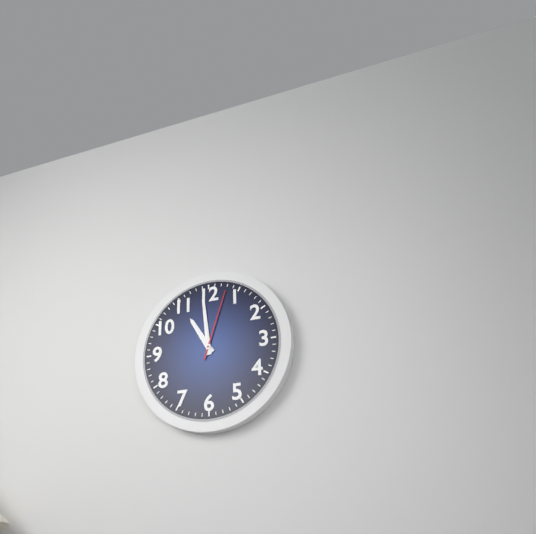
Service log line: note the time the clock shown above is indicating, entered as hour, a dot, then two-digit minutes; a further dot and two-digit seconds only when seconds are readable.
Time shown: 10.59.03
